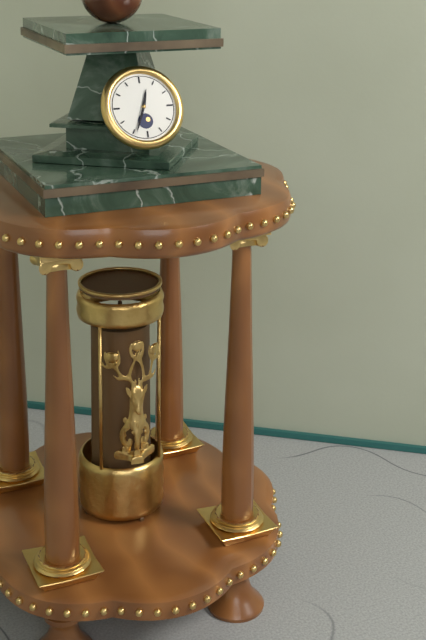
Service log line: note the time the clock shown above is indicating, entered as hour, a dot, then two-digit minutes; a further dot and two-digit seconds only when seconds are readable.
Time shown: 12.34
